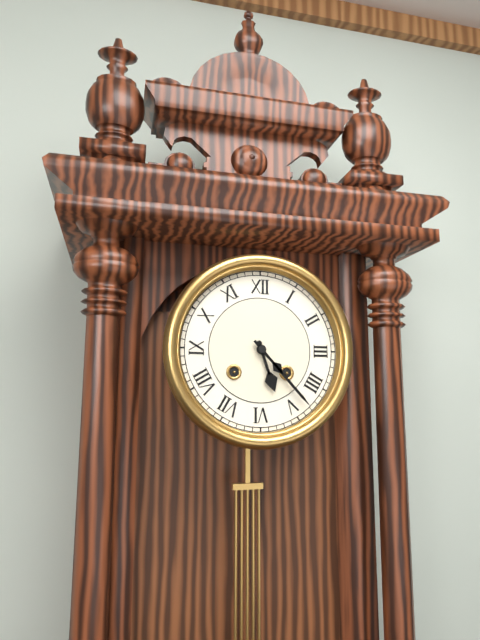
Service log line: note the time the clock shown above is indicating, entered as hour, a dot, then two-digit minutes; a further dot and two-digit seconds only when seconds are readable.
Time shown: 5.23
